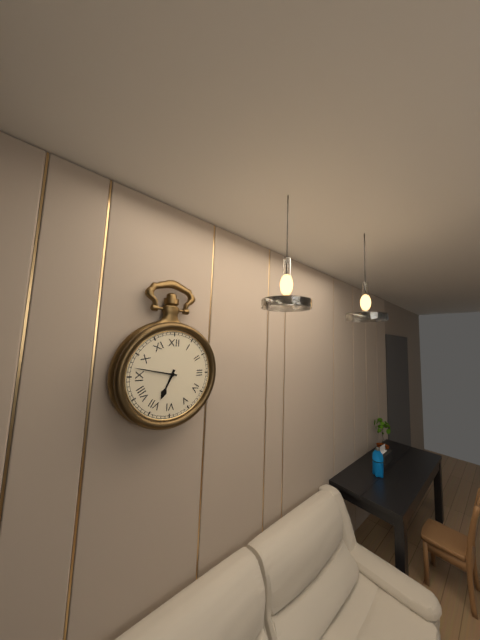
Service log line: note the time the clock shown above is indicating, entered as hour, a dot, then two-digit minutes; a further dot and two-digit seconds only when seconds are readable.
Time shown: 6.47
